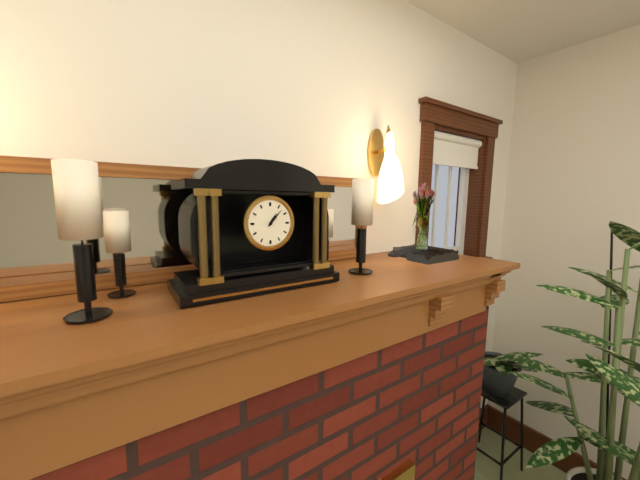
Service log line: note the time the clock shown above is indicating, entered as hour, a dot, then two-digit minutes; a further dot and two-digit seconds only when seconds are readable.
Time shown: 1.07
